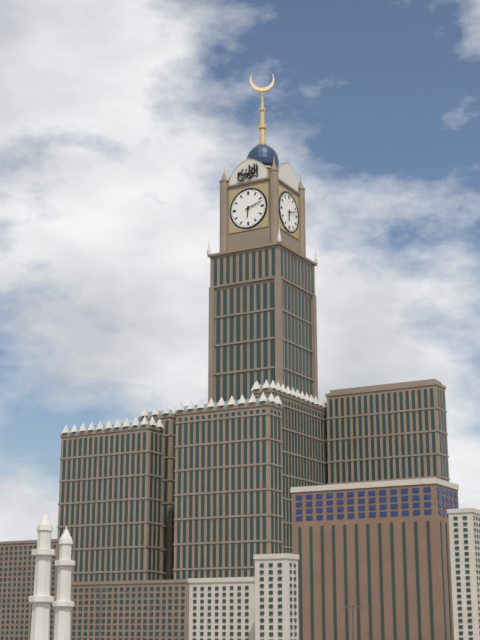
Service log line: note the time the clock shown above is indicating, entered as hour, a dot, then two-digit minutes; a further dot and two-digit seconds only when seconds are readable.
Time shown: 6.12
